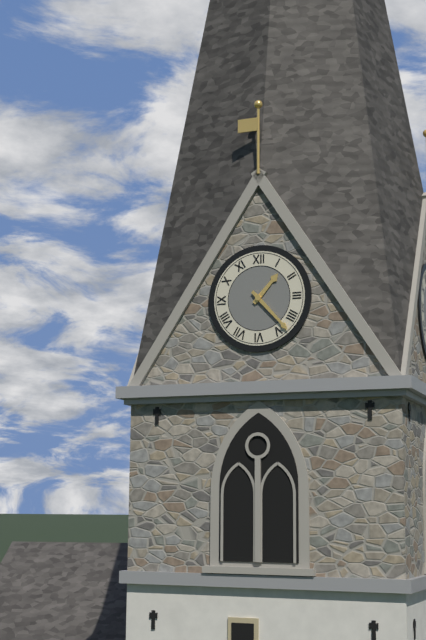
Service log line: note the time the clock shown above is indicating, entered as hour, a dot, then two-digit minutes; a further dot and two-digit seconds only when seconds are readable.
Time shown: 1.23
